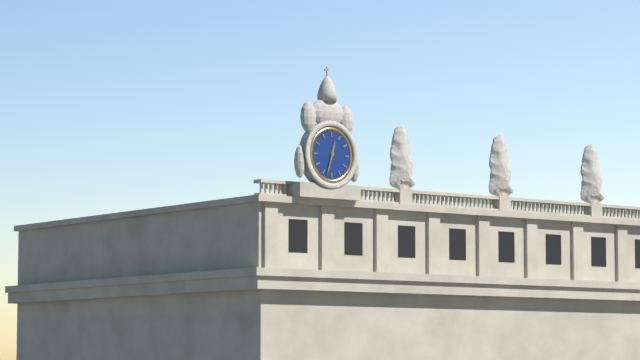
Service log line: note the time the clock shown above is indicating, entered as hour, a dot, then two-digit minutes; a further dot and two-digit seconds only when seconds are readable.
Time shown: 12.33
